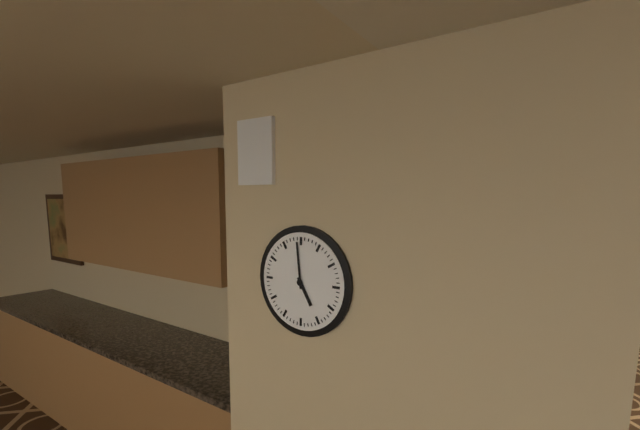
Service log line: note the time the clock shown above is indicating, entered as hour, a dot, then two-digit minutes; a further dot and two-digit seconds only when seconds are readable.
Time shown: 4.59
